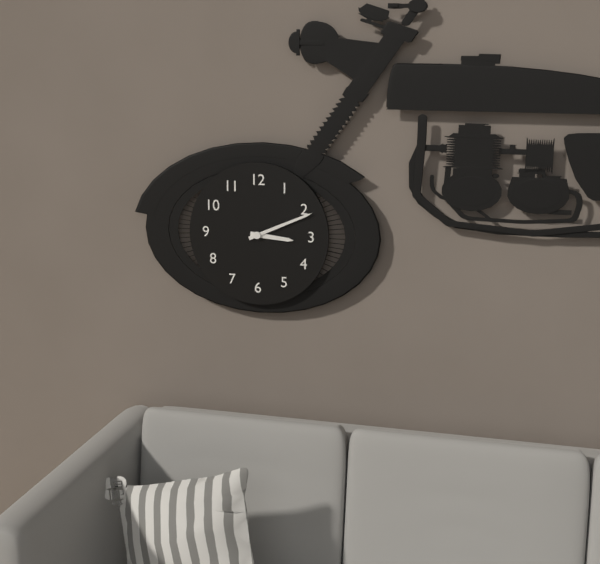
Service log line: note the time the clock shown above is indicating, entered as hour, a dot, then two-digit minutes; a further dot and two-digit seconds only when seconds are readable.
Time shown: 3.11
